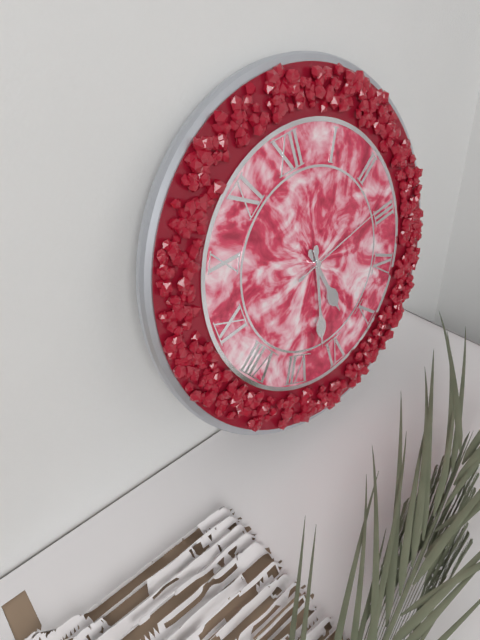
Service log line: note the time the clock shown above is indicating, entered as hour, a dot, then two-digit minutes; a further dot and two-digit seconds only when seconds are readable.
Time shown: 5.32.14
